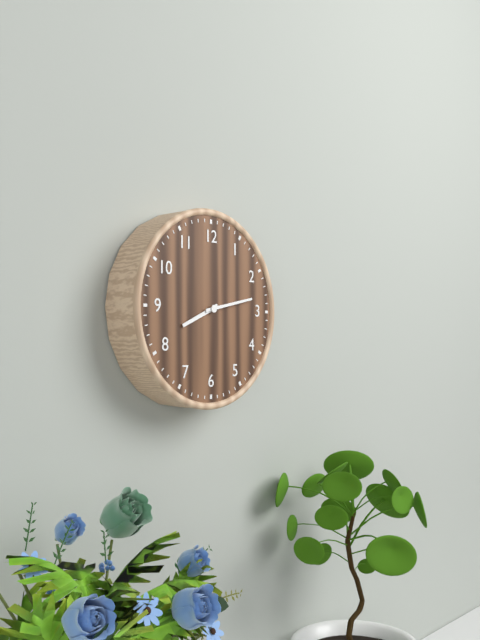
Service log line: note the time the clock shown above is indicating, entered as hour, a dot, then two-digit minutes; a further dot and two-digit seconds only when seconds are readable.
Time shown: 8.13
